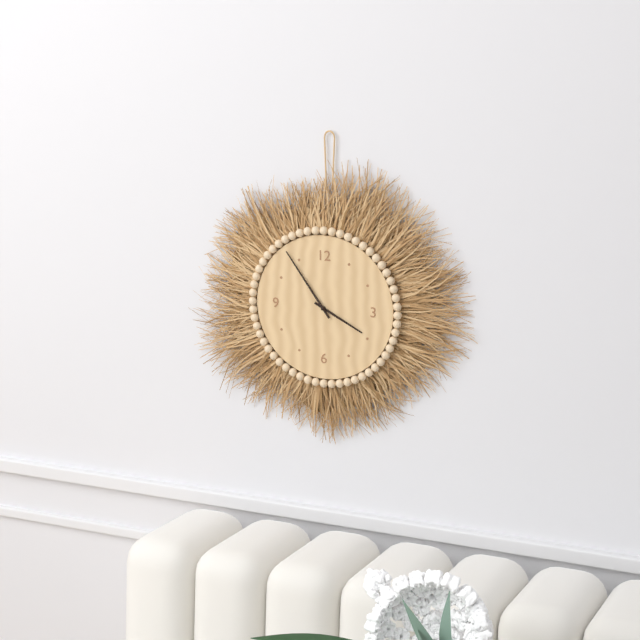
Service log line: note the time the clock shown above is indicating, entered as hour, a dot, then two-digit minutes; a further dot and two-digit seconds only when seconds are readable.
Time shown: 3.54
